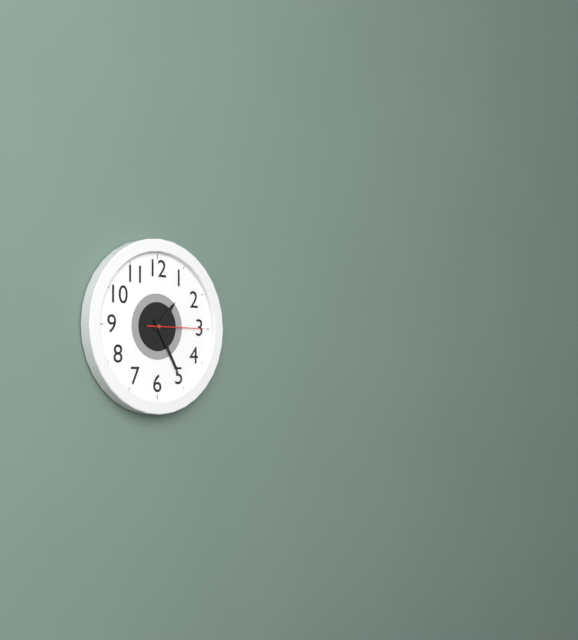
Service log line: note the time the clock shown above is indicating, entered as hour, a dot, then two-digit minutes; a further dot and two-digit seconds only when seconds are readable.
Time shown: 1.25.15
